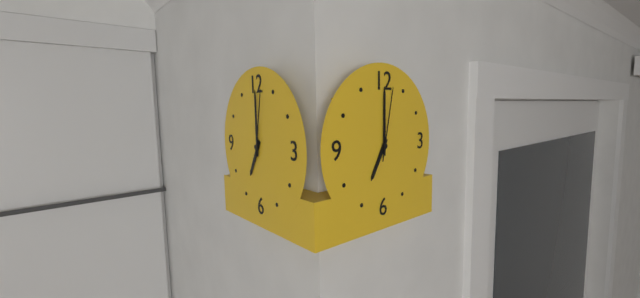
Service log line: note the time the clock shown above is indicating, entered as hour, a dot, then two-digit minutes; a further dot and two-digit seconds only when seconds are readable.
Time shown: 7.00.02
